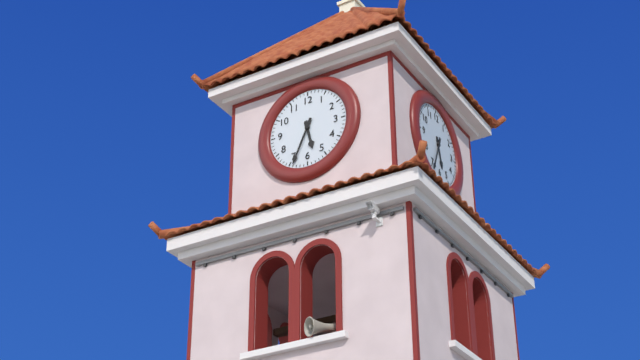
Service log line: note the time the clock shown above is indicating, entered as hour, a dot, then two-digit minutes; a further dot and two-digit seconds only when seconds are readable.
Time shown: 5.34
